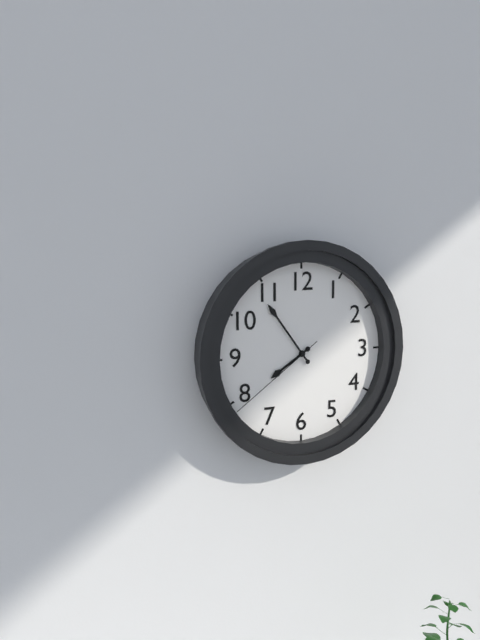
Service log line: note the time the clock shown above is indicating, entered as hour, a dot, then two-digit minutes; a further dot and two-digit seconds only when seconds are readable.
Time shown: 7.54.39
